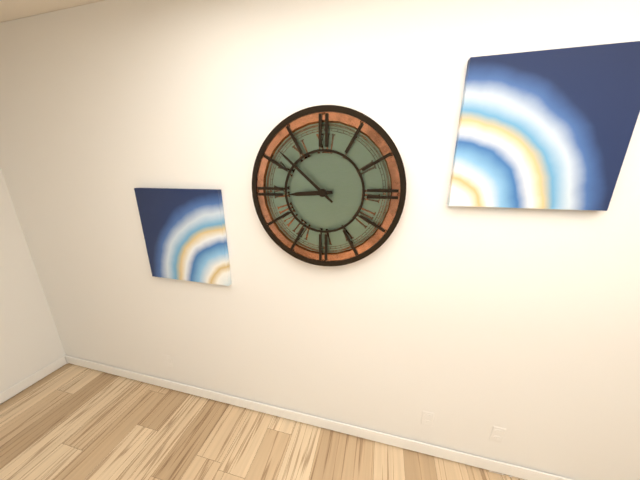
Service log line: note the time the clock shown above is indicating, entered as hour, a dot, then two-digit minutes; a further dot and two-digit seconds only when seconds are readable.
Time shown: 8.52
